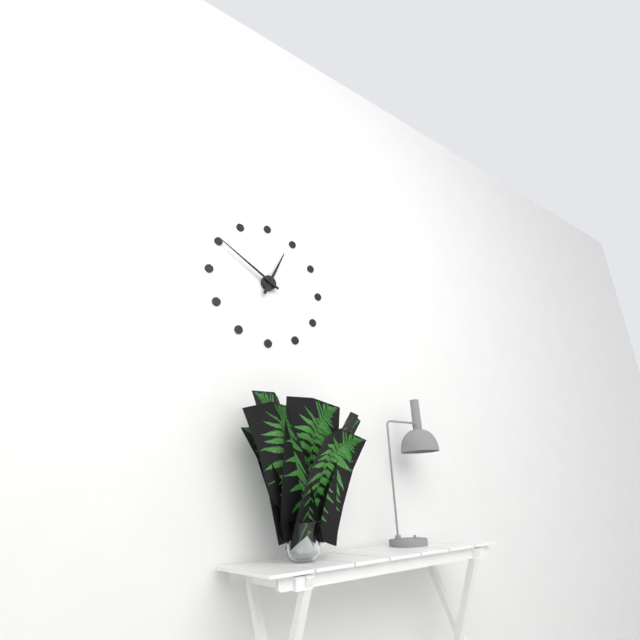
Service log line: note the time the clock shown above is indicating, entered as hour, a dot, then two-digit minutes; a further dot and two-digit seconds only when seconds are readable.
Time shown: 12.50
